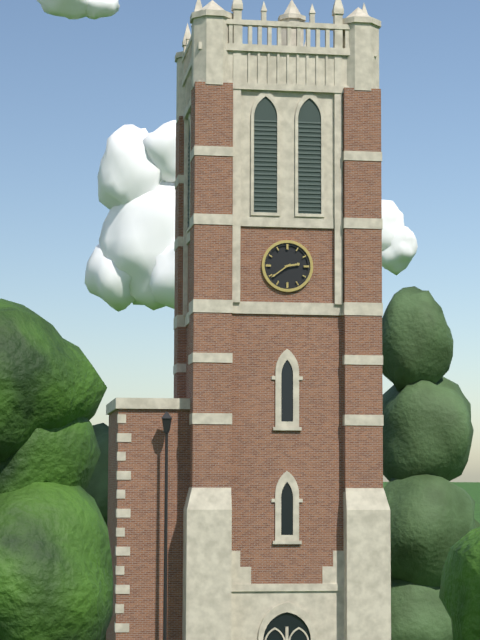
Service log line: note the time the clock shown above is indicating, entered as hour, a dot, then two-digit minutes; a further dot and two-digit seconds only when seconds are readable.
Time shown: 2.39
